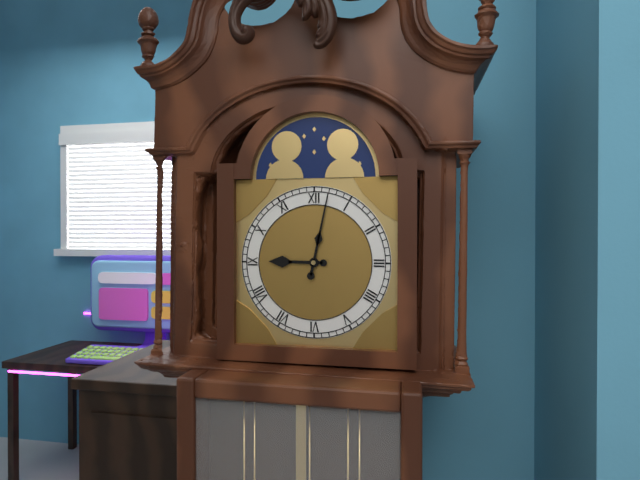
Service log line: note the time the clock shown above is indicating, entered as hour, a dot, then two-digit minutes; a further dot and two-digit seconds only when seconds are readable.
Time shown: 9.02
